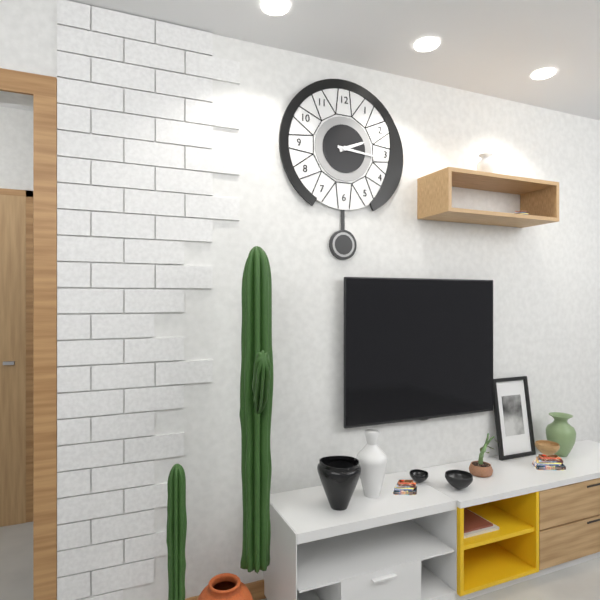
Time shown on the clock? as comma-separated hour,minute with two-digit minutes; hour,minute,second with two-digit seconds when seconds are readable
2,16
